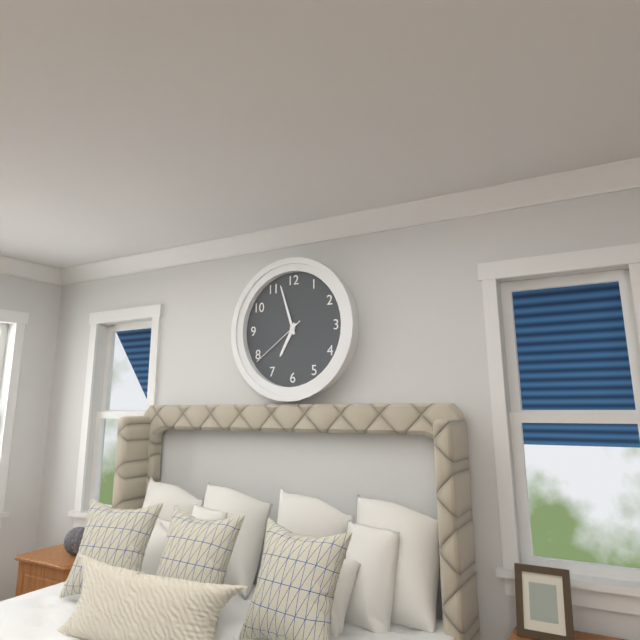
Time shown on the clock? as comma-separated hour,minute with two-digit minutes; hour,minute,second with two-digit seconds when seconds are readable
6,57,39
